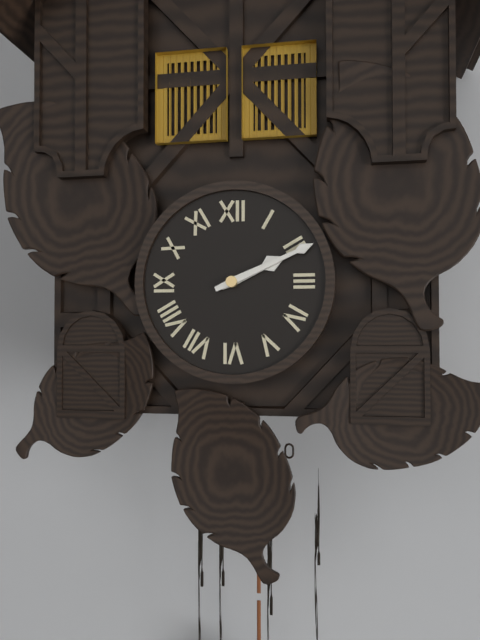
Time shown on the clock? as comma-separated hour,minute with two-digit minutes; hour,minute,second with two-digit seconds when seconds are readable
2,11
